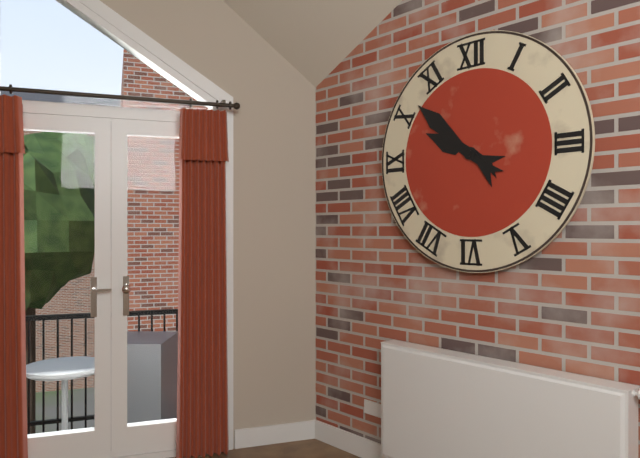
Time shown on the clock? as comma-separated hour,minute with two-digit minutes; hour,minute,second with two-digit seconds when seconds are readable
9,52
